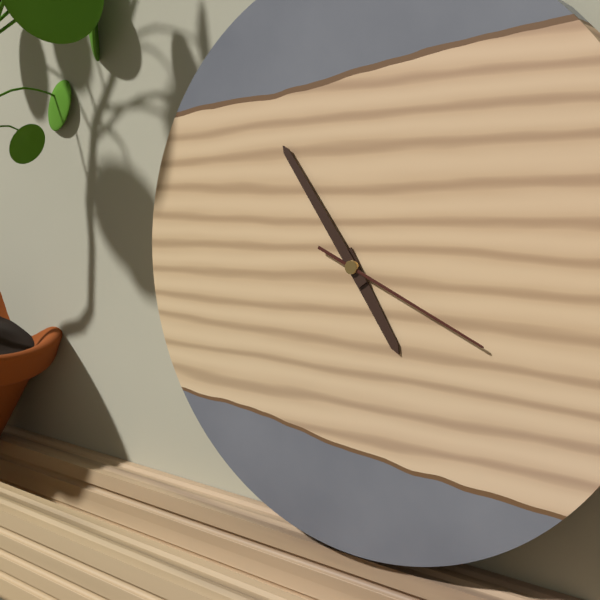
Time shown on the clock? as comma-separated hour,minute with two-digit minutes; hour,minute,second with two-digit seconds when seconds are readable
4,54,19
